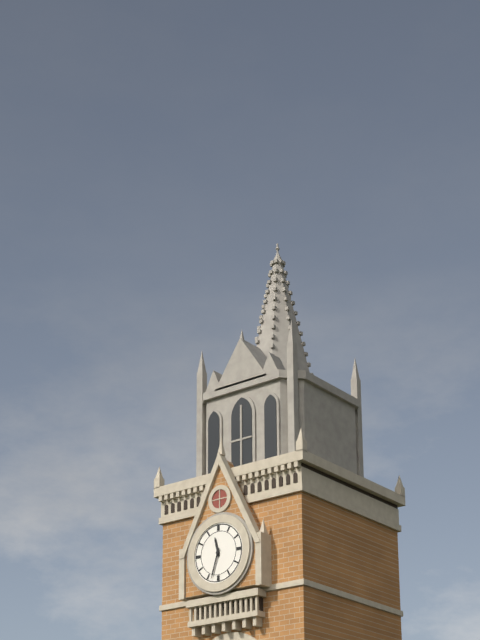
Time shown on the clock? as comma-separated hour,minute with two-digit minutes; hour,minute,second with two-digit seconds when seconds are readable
11,33
